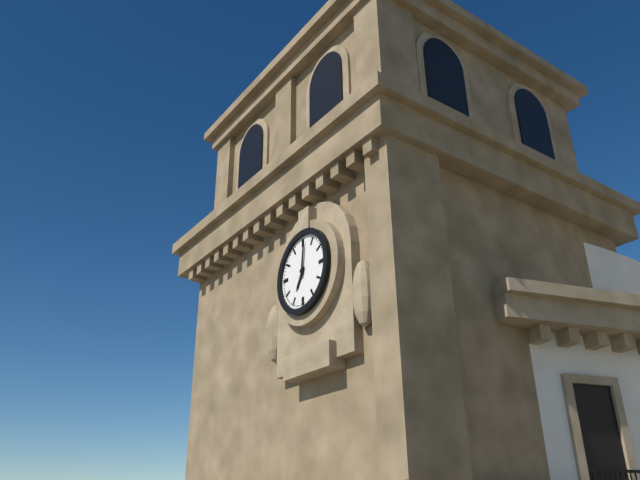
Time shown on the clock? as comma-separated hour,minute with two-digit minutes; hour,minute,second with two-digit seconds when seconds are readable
7,01
